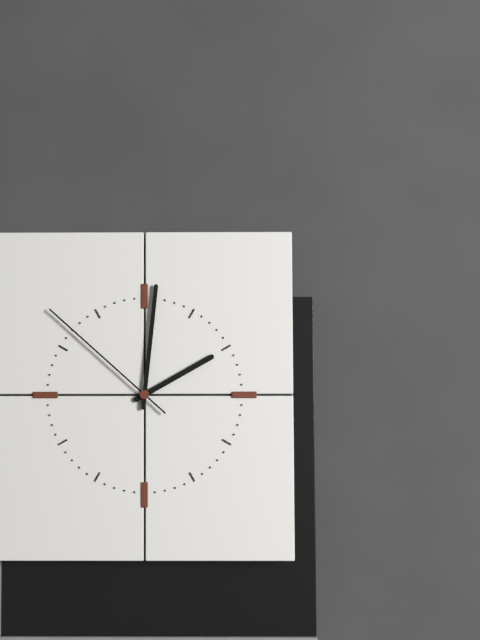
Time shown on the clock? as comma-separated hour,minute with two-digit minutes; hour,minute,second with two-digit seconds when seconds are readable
2,01,52
